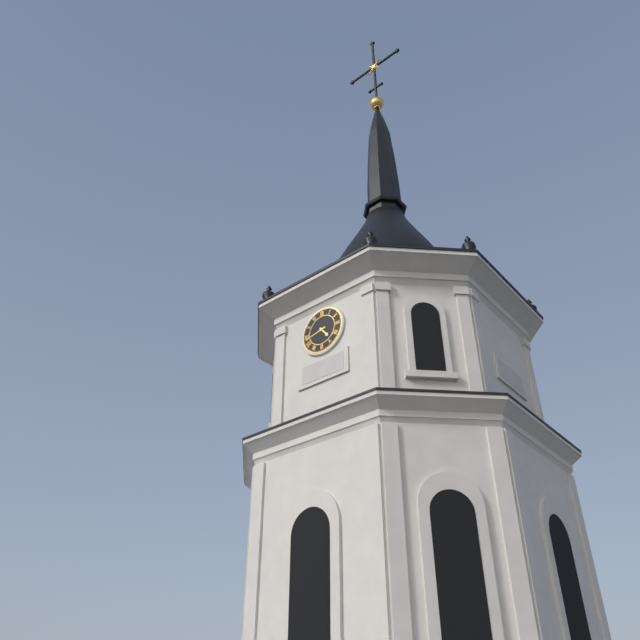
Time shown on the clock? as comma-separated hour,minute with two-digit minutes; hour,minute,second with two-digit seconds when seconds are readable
4,43
